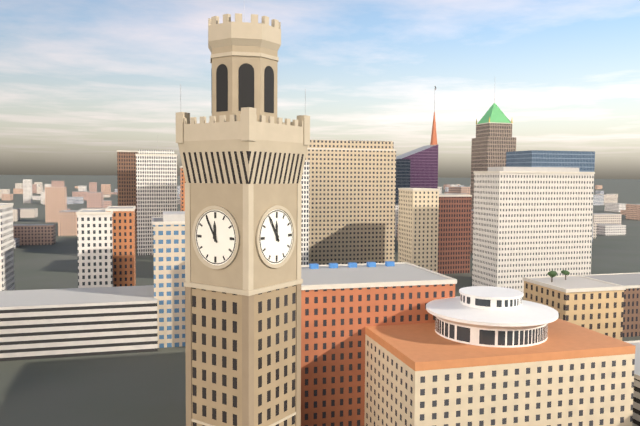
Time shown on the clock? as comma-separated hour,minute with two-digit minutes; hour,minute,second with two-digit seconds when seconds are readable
11,55
